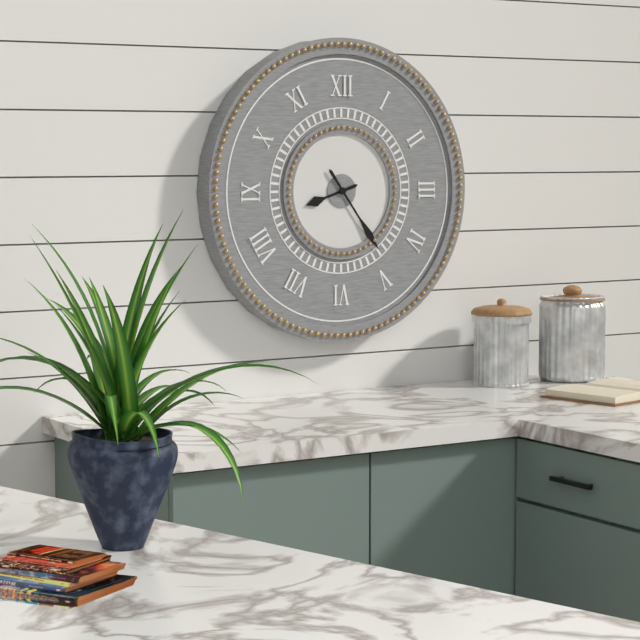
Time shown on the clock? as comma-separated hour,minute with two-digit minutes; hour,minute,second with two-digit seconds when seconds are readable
8,24
